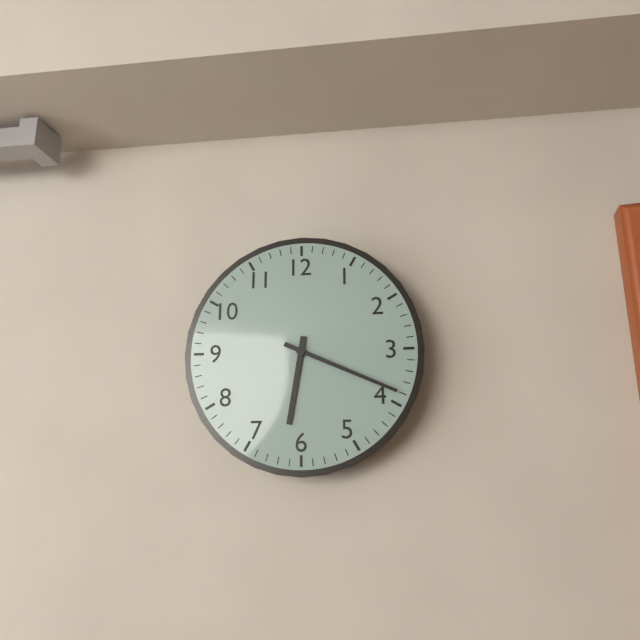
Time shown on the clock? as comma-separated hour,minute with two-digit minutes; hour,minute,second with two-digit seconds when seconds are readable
6,19
